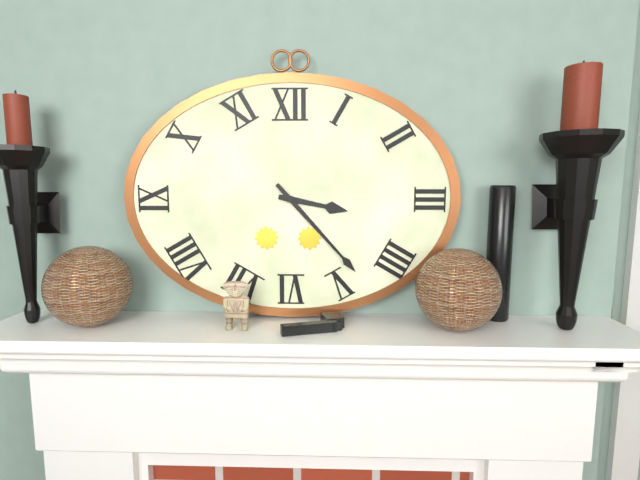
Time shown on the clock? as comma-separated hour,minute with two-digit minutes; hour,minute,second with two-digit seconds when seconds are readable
3,23
